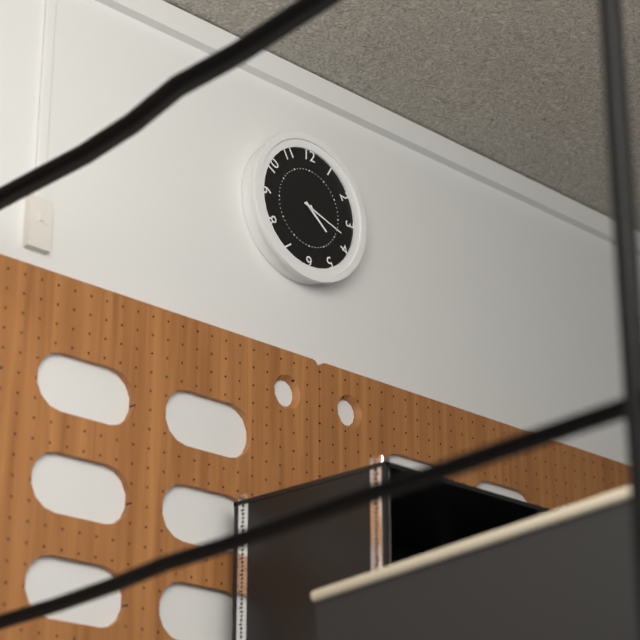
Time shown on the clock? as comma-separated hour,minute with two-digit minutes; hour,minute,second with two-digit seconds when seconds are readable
4,18
